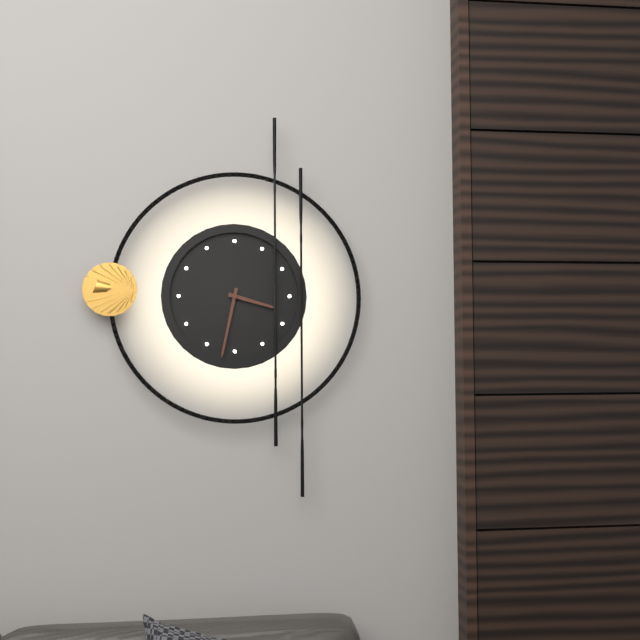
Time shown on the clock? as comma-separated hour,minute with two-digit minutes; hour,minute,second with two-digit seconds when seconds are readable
3,32
